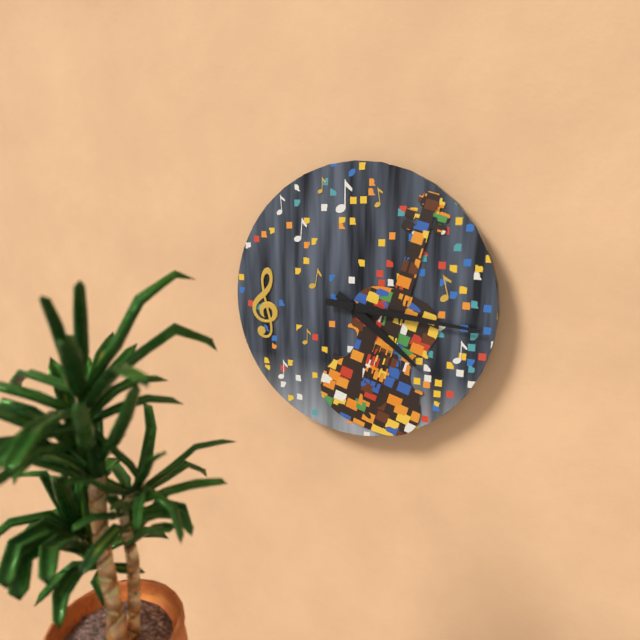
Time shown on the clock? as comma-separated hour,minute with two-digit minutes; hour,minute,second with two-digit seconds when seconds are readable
4,16
